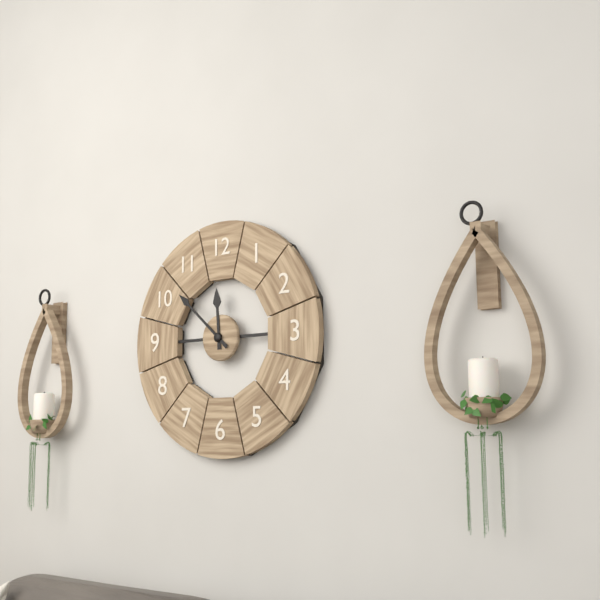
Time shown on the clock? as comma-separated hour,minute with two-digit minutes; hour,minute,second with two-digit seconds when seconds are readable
11,52
